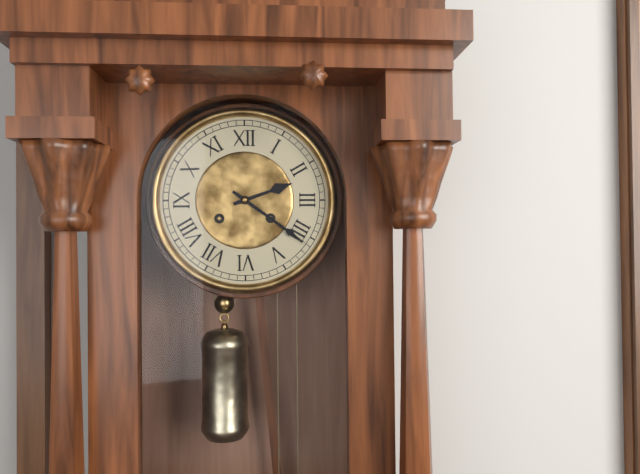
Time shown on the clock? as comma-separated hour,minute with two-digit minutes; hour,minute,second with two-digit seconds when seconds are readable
2,21
